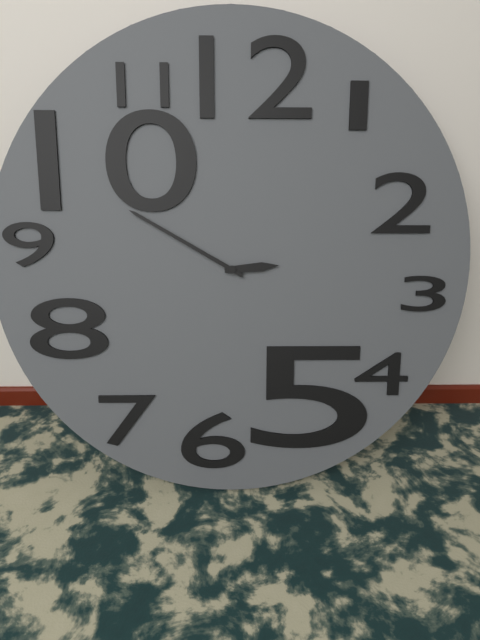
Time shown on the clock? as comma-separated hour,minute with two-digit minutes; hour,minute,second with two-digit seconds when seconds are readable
2,50
